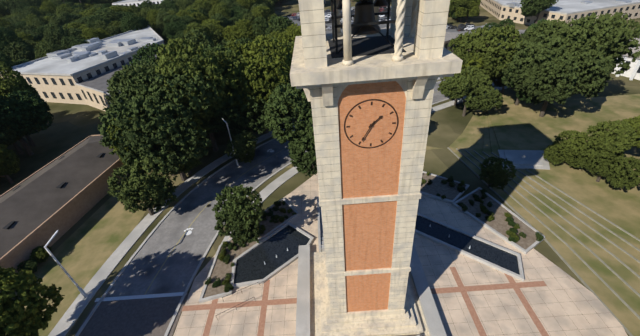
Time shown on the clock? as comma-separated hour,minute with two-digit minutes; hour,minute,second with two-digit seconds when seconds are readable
1,35
